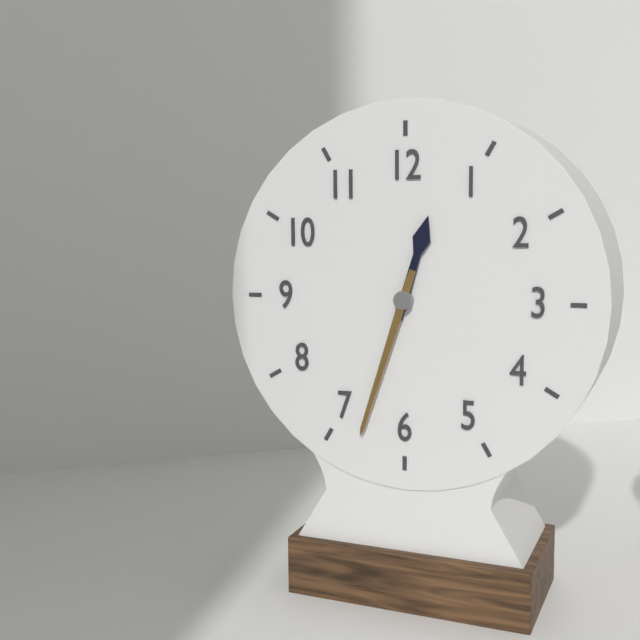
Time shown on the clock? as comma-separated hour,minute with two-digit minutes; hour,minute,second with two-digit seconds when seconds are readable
12,33
